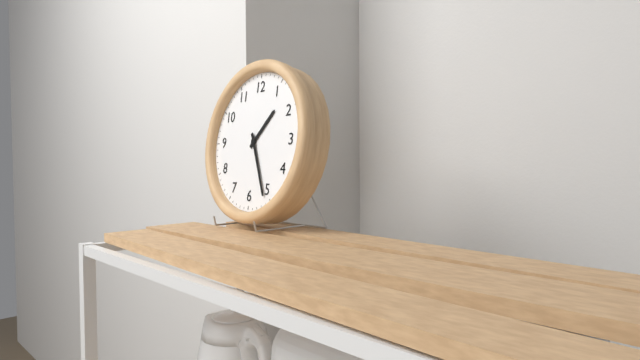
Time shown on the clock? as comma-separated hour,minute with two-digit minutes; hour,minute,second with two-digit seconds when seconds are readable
1,26
